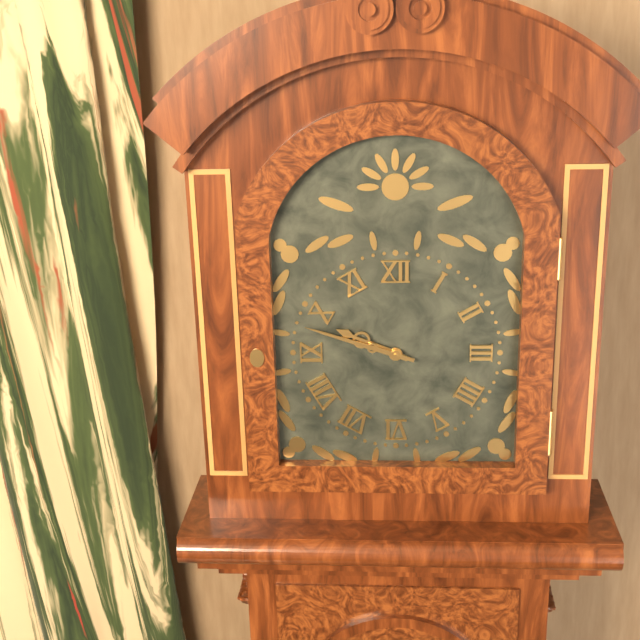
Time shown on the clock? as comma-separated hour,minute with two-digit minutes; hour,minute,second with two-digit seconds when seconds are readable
9,48
